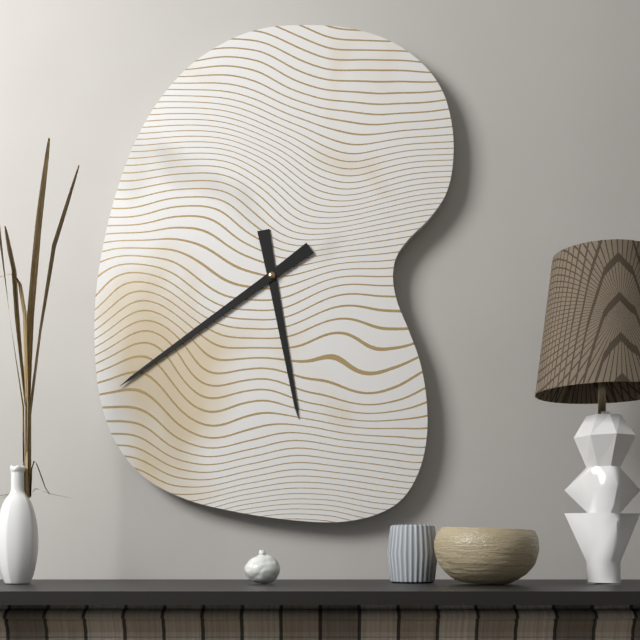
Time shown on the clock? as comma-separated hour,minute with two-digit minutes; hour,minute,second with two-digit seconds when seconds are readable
5,39
